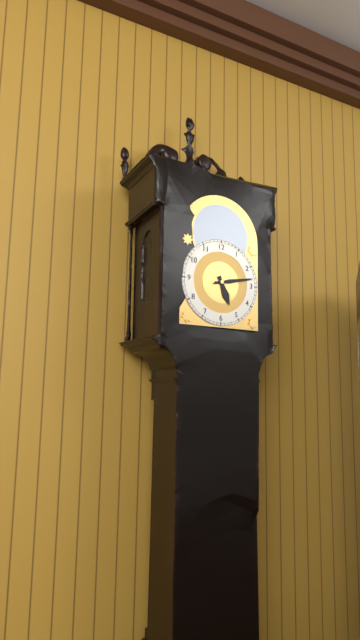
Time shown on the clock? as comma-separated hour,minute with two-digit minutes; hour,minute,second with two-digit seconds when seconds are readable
5,13
